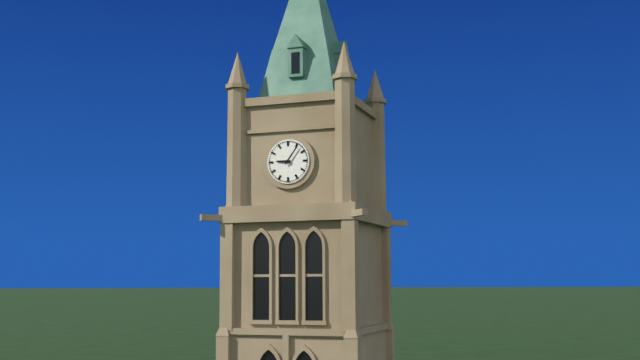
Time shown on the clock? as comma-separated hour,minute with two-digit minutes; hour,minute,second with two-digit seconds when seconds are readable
9,06
